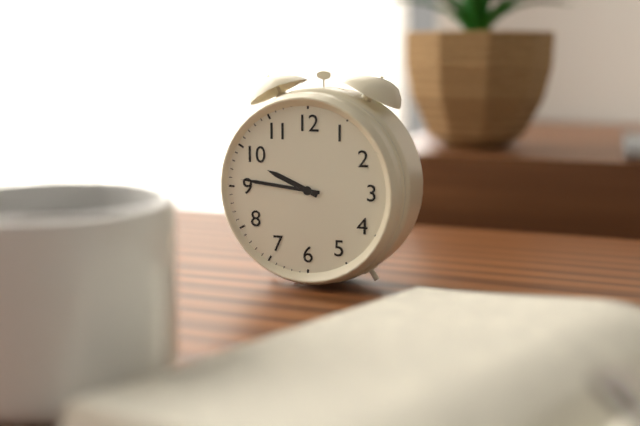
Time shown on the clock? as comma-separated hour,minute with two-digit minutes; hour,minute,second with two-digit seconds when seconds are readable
9,46
